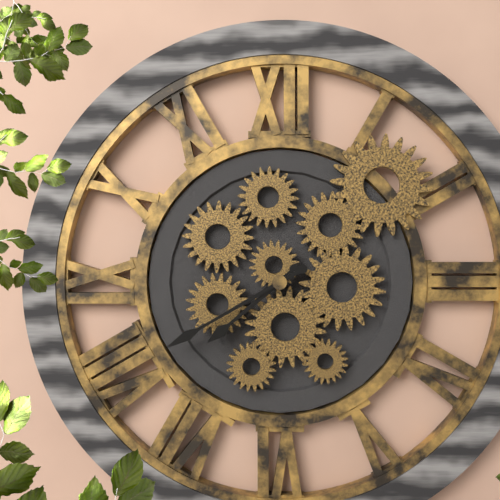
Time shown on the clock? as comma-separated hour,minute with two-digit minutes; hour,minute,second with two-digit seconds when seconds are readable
7,40
